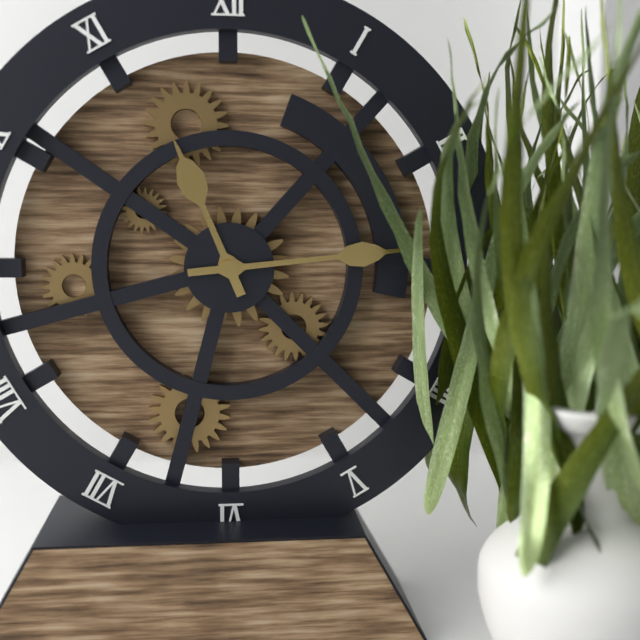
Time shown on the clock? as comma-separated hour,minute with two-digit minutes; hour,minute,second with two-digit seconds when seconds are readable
11,14
